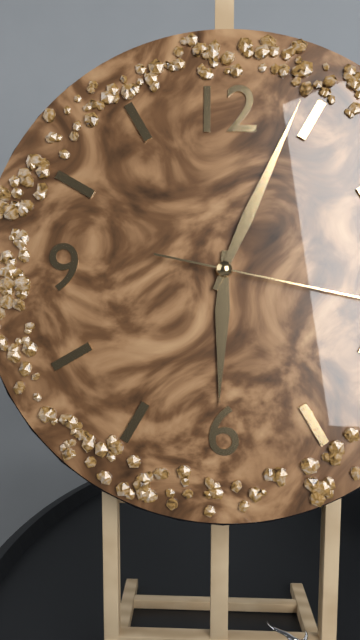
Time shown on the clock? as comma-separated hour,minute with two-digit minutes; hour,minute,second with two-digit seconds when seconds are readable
6,04
